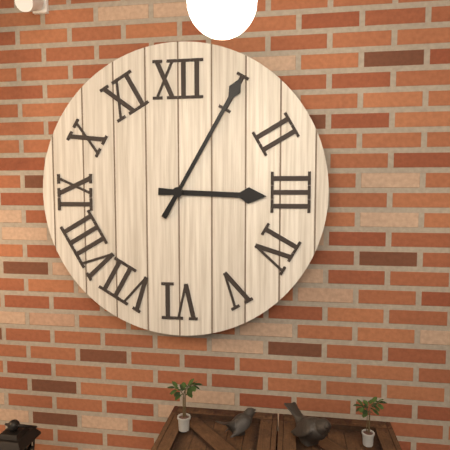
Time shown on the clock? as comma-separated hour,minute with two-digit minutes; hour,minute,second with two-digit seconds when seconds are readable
3,05
